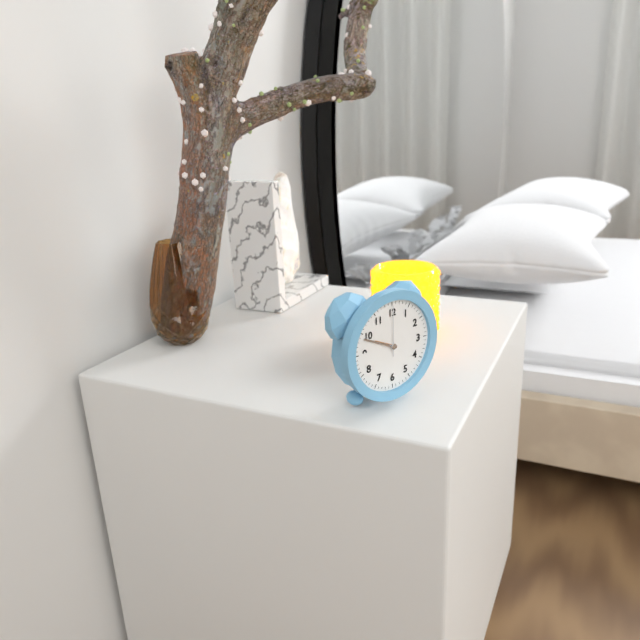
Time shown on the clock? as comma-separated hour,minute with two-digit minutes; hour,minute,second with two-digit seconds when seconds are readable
9,49,00
